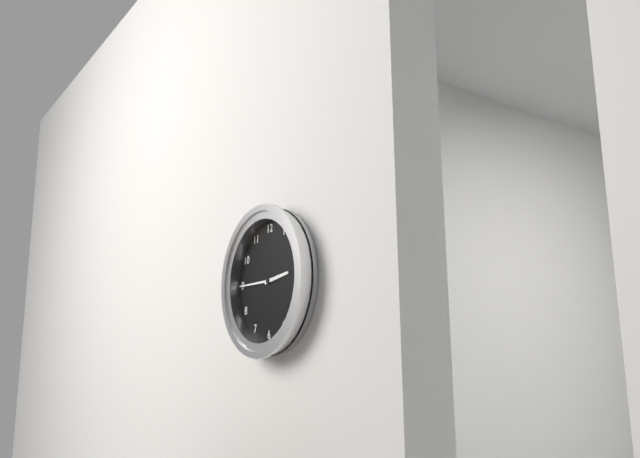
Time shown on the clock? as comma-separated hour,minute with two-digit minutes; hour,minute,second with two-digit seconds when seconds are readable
2,45
